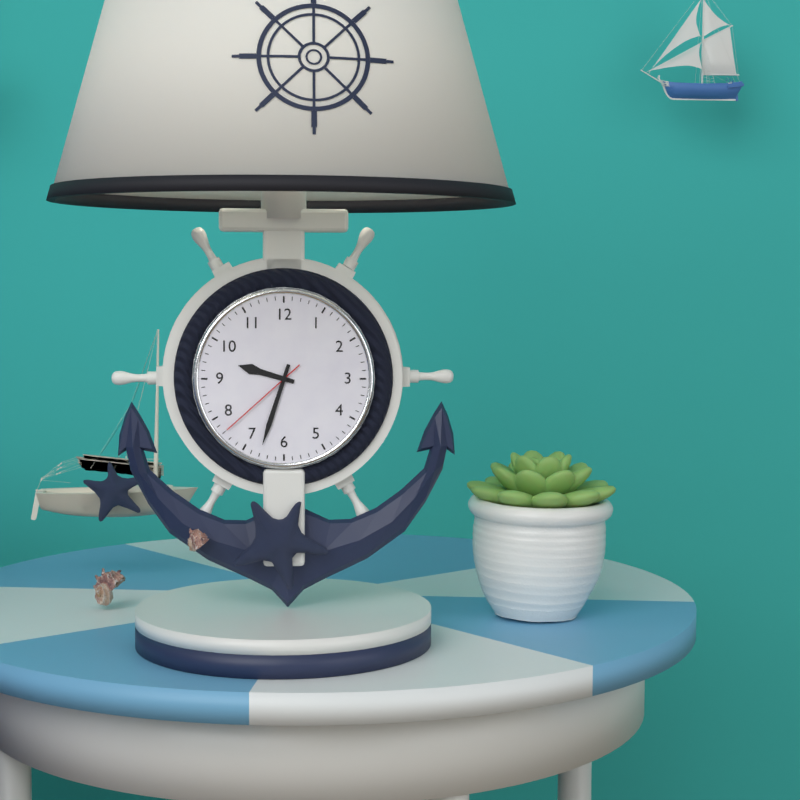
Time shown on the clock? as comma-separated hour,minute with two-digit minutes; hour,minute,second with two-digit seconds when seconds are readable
9,33,38
